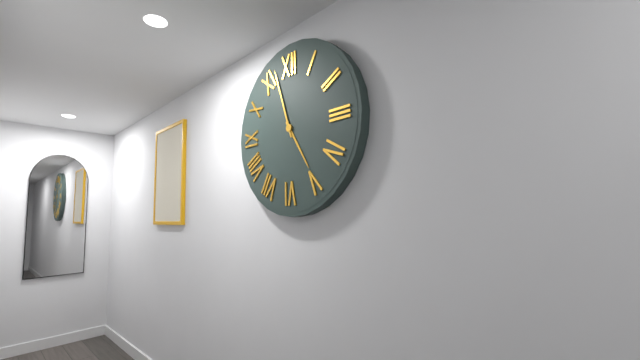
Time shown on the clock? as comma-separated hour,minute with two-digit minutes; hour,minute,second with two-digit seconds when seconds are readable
4,57
